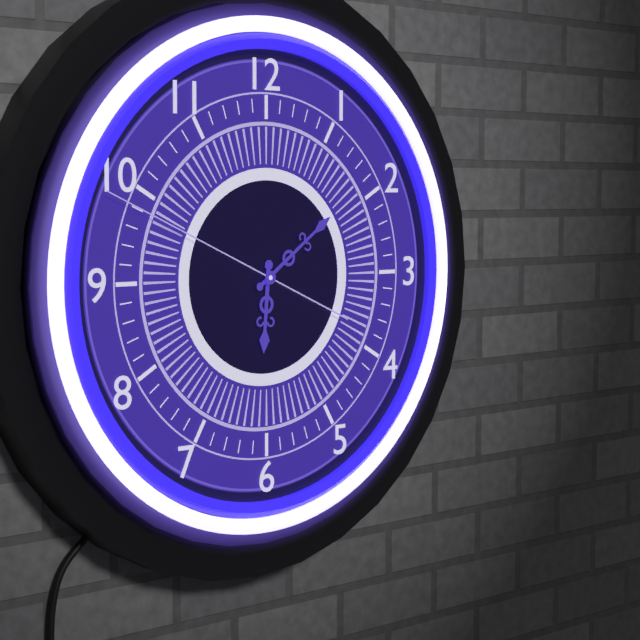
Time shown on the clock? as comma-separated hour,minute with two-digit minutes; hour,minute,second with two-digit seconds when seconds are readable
6,09,49
